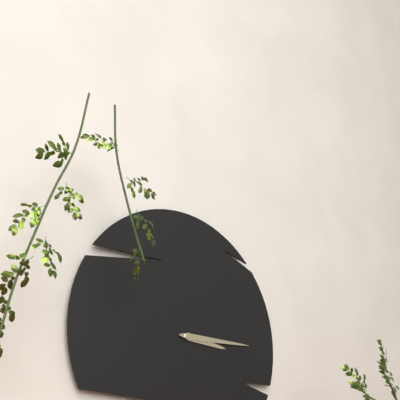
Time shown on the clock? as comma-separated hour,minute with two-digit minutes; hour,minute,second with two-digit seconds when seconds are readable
3,15
